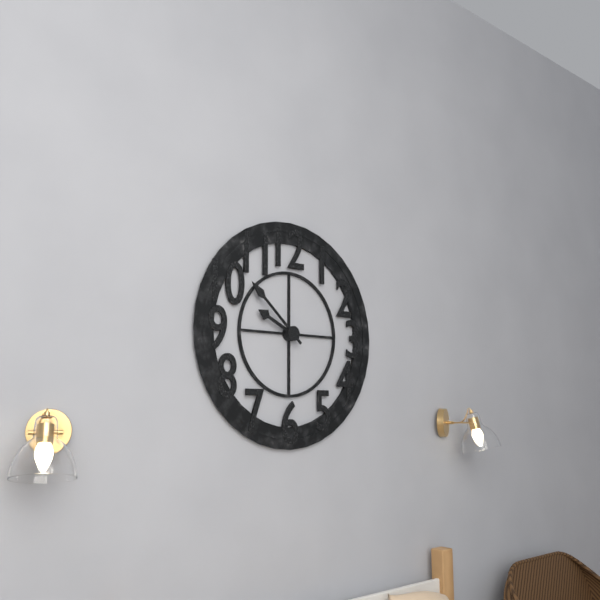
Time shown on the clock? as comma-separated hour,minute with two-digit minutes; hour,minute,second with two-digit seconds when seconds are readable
9,52
